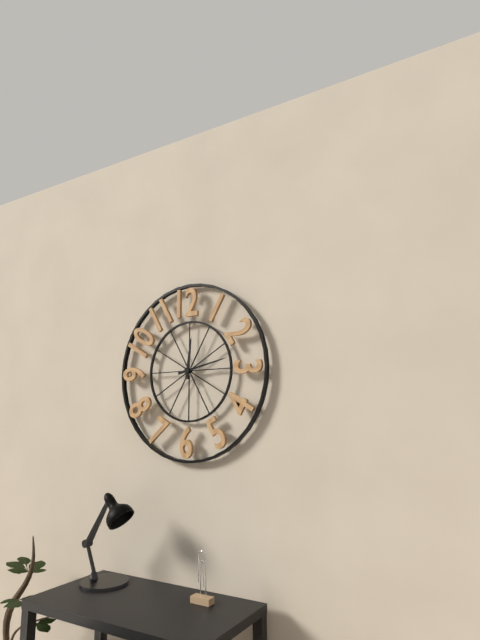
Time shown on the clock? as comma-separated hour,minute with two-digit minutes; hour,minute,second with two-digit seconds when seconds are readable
12,13
